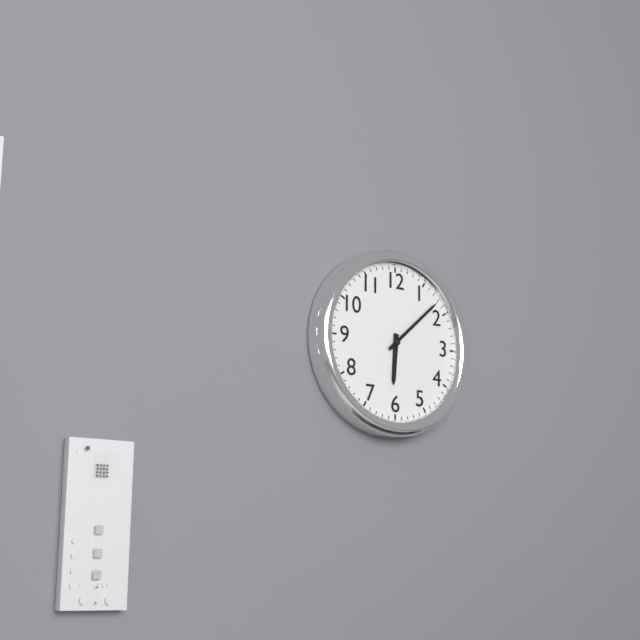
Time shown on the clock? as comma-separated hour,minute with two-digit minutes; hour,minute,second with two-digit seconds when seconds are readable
6,08
